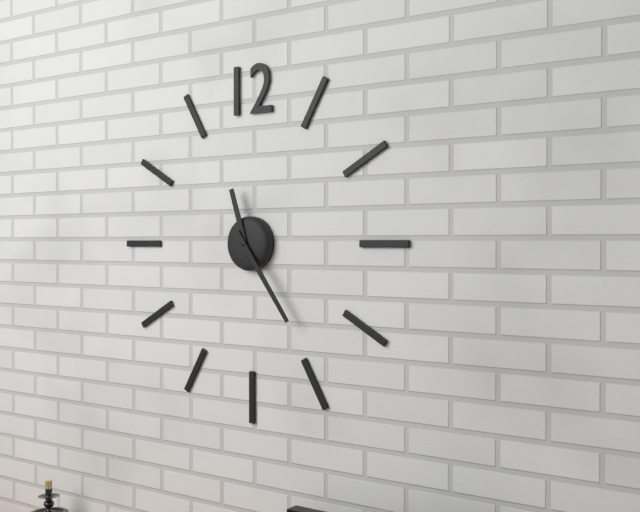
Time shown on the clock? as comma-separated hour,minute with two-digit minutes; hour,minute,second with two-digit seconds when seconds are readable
11,24
